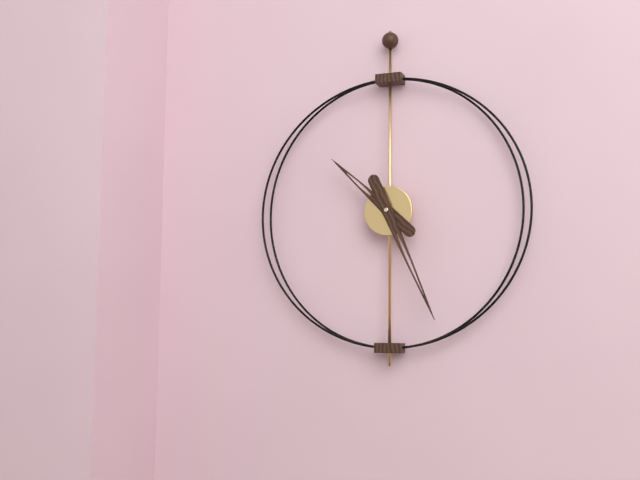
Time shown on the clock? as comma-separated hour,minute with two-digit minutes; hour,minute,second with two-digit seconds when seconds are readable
10,26
